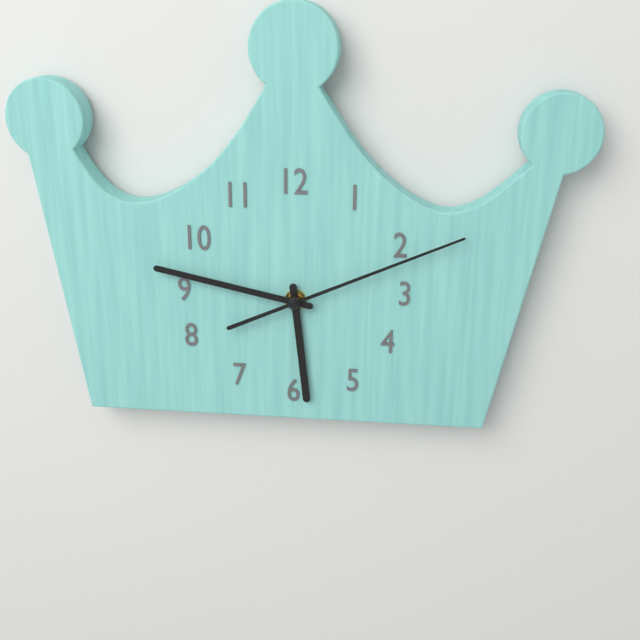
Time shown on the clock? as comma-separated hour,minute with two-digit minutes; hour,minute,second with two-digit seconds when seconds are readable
5,47,11
